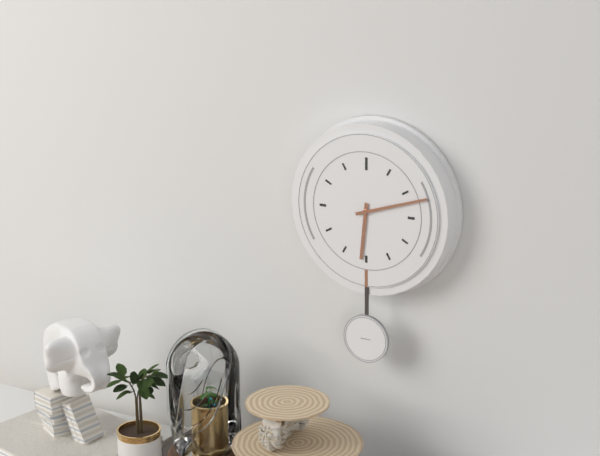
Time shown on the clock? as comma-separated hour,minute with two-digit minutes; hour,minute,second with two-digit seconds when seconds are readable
6,12
